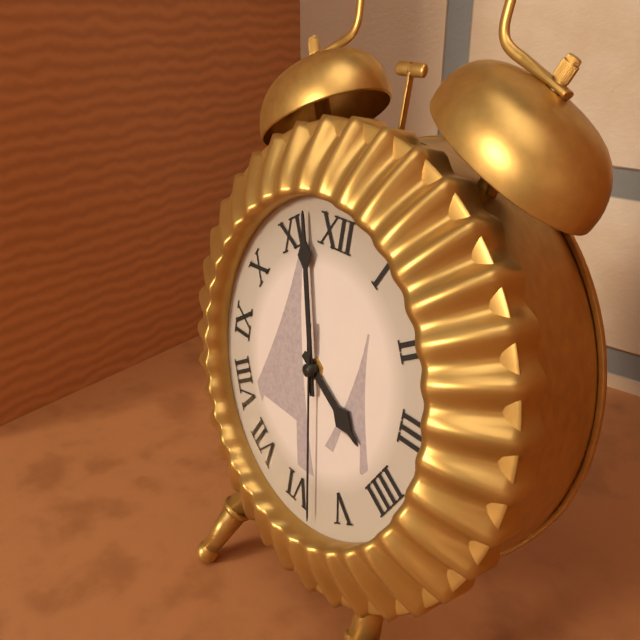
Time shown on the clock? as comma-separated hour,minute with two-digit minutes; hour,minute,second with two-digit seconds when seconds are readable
3,57,28
